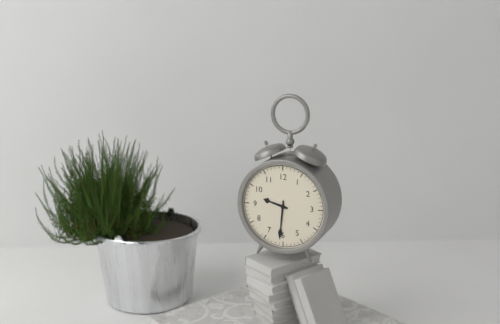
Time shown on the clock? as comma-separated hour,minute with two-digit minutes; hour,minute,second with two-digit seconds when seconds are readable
9,31
